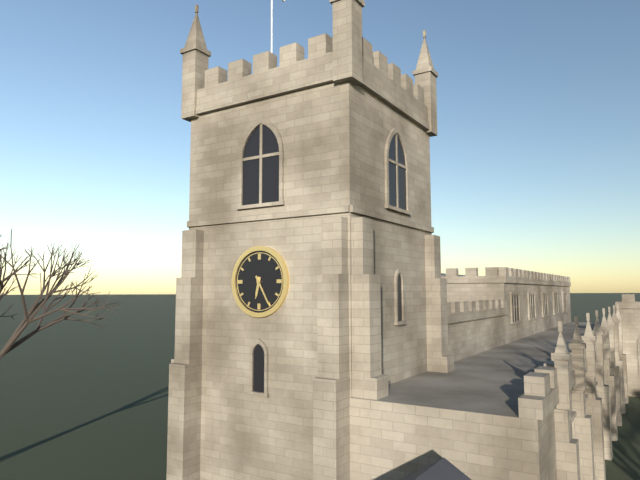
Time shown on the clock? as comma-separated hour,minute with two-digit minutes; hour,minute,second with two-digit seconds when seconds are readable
6,25
